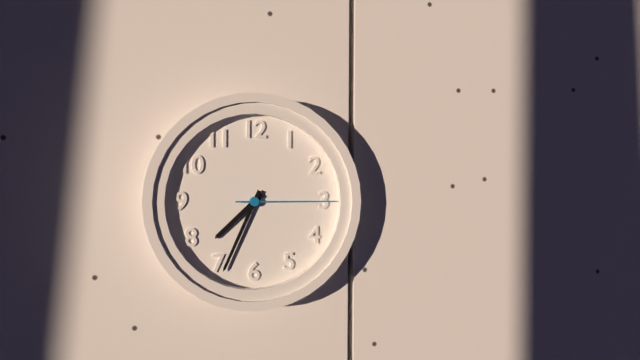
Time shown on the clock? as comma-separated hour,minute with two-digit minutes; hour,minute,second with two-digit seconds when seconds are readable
7,34,15
